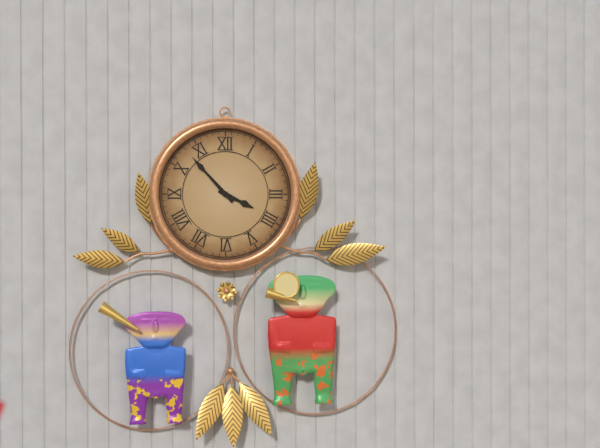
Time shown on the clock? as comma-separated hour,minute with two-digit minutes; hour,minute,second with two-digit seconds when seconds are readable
3,53
